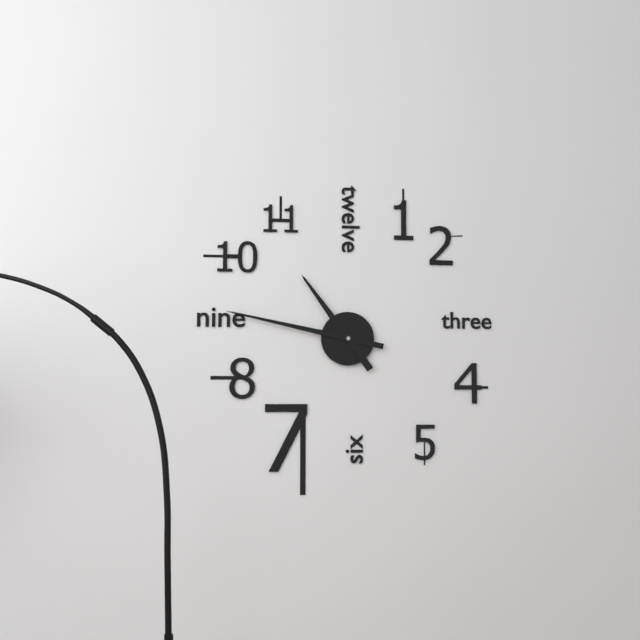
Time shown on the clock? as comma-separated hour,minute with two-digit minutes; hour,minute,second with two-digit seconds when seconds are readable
10,47
